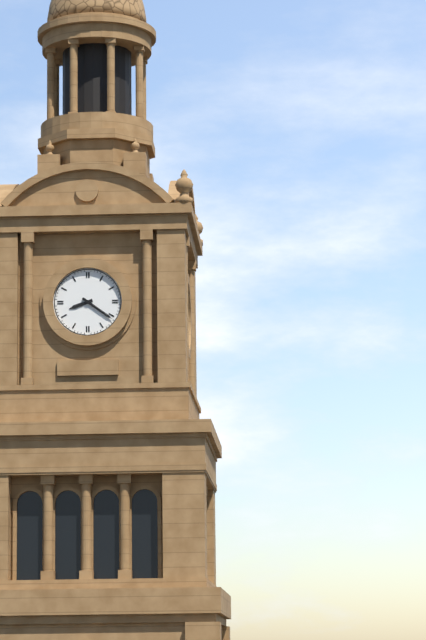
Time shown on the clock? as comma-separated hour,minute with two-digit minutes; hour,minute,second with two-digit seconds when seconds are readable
8,21
